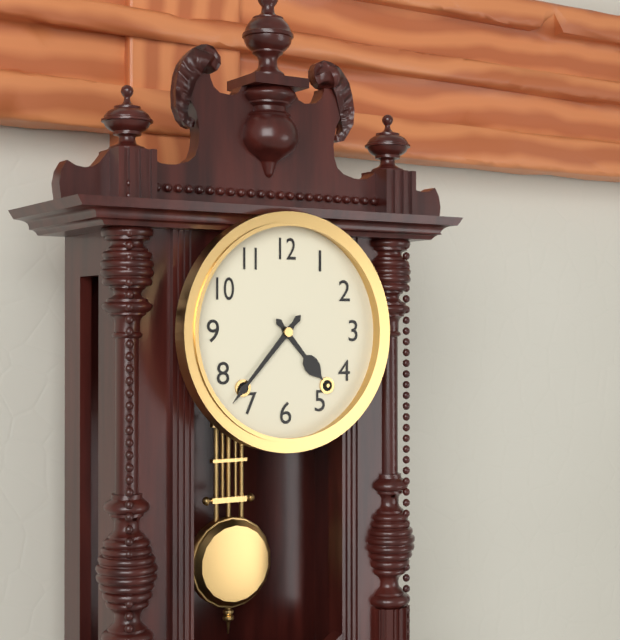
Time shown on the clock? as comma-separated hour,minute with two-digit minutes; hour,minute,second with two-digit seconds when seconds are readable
4,37
